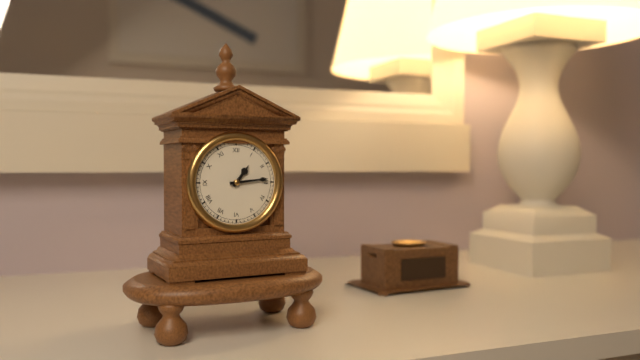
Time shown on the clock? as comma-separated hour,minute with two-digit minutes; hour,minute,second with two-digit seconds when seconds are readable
1,14
